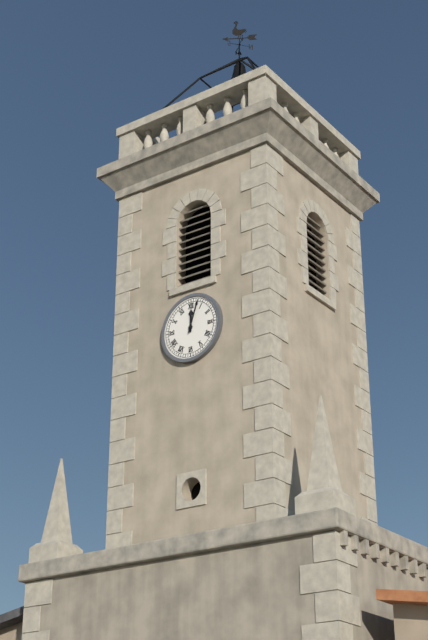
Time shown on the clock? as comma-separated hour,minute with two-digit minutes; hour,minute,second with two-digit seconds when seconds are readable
12,03
